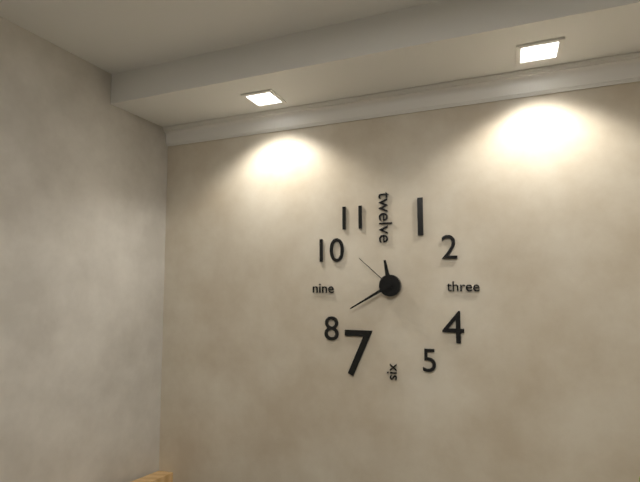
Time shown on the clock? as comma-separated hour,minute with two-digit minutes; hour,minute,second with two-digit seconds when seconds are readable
11,40,52
